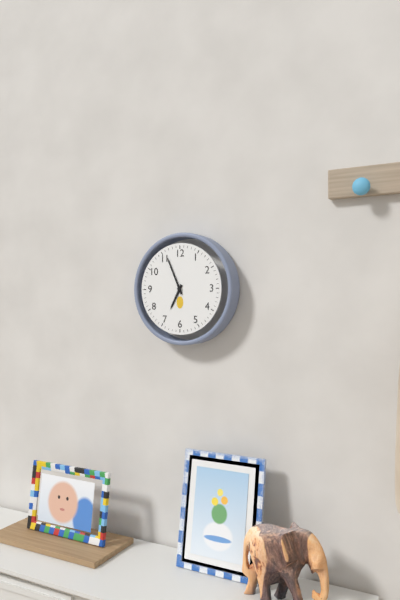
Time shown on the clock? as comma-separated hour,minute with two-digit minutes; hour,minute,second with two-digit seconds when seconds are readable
6,56
